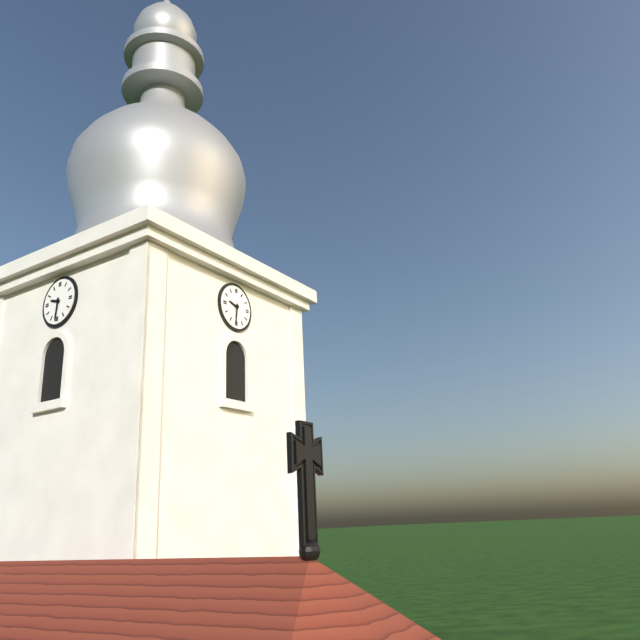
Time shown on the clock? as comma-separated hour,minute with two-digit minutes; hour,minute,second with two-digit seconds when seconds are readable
9,31
